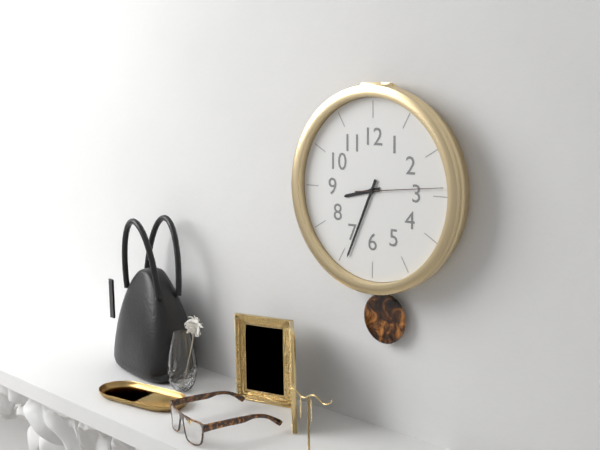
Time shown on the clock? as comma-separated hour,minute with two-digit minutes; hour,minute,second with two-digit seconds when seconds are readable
8,34,14
